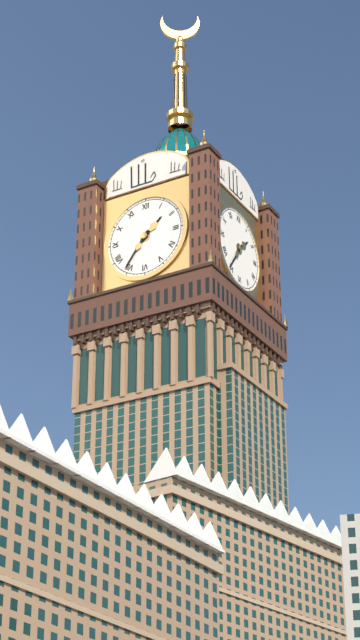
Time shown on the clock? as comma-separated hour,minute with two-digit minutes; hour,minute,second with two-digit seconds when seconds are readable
1,36
